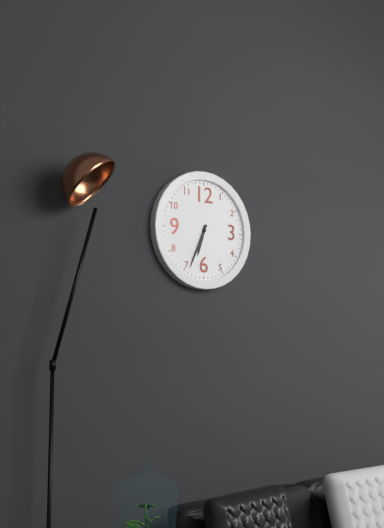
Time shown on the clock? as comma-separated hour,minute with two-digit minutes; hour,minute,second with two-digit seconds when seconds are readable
6,34
